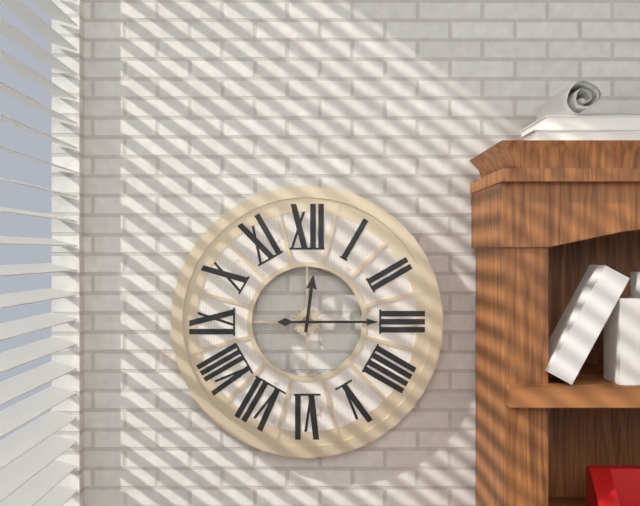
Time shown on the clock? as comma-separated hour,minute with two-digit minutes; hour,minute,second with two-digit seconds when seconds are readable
12,15
